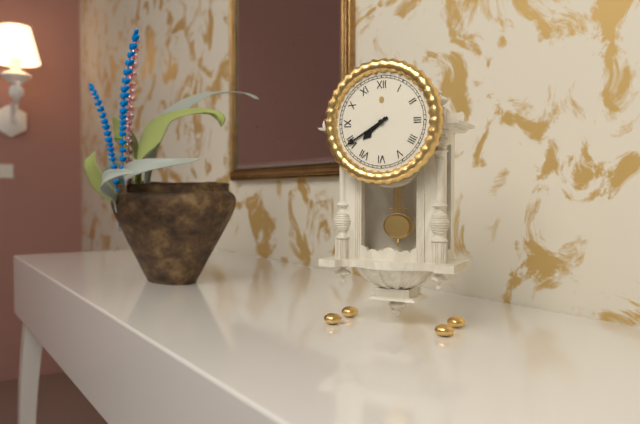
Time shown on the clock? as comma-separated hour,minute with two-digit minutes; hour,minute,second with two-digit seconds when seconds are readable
7,40
